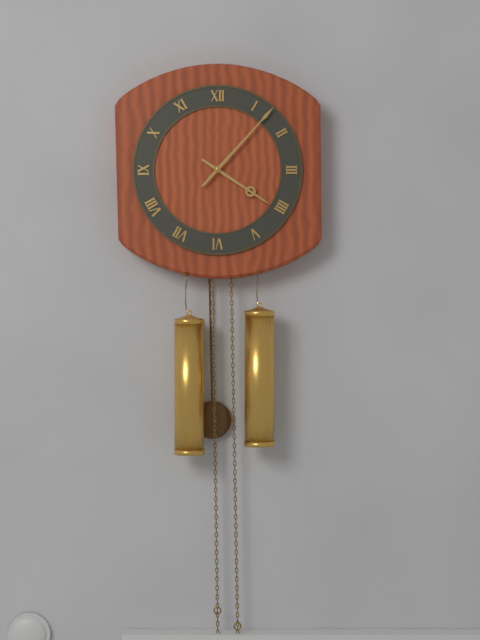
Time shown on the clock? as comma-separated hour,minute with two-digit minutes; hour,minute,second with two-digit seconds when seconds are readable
4,07
